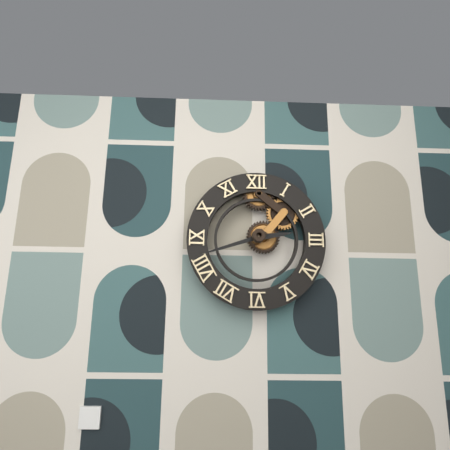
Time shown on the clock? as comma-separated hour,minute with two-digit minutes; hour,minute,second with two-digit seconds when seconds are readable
2,42
